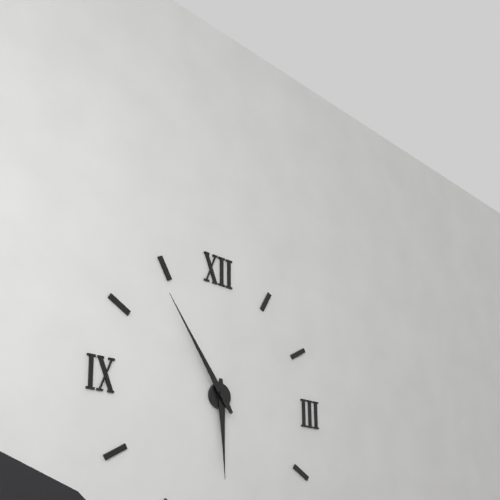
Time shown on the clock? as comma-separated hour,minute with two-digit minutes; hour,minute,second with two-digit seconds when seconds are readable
5,54
